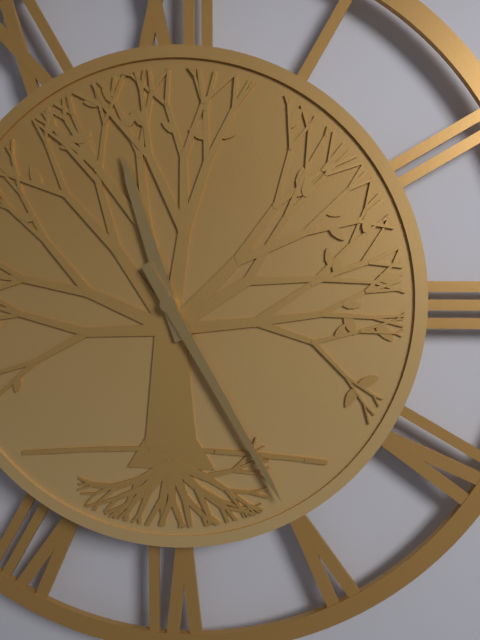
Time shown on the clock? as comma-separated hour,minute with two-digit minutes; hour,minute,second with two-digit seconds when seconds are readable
11,25
